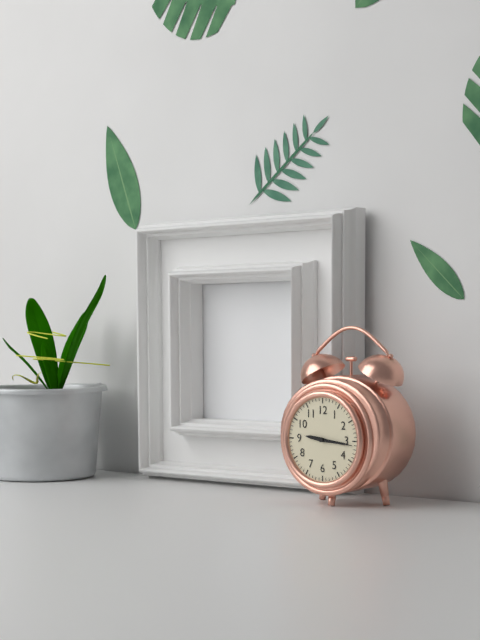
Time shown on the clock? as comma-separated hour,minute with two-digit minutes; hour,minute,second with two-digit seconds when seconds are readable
9,16
